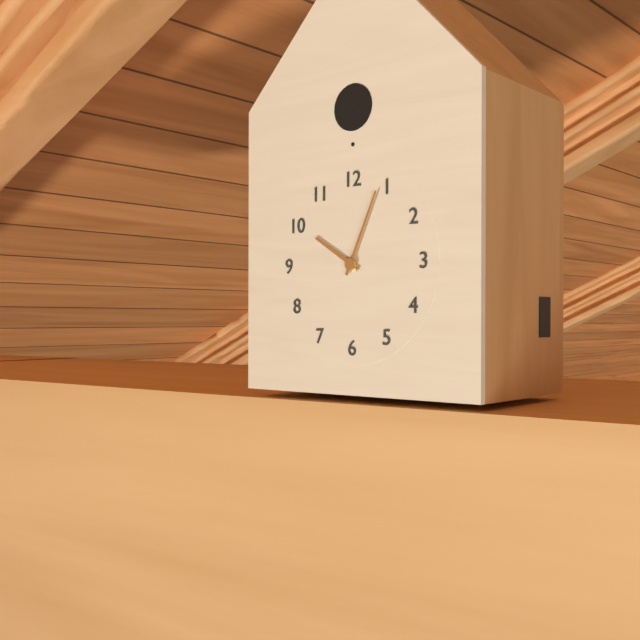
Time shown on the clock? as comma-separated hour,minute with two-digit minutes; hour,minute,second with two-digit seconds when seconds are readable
10,04
